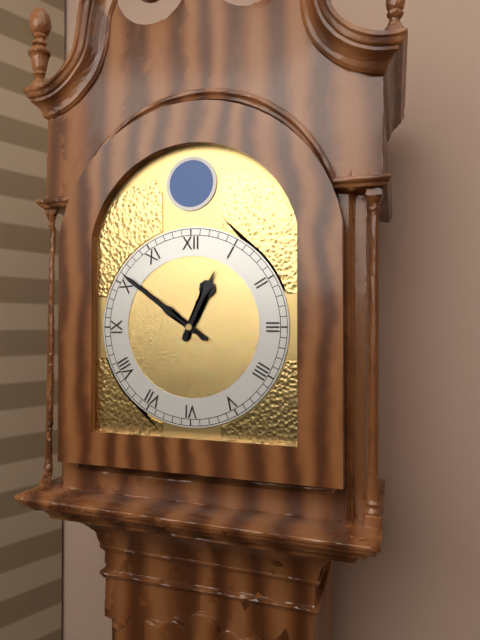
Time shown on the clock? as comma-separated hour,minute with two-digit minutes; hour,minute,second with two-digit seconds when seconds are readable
12,51
